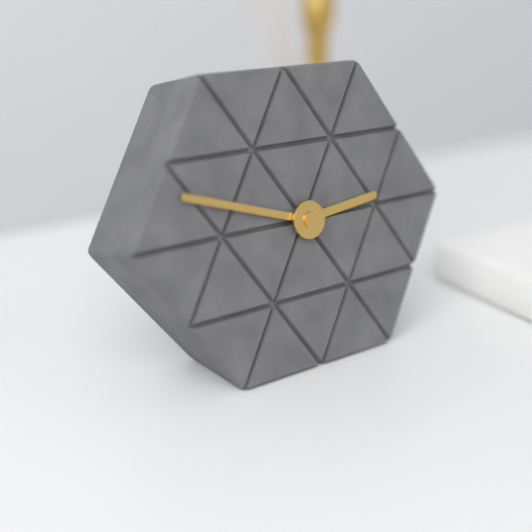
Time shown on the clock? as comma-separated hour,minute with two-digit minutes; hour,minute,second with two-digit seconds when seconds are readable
2,48
